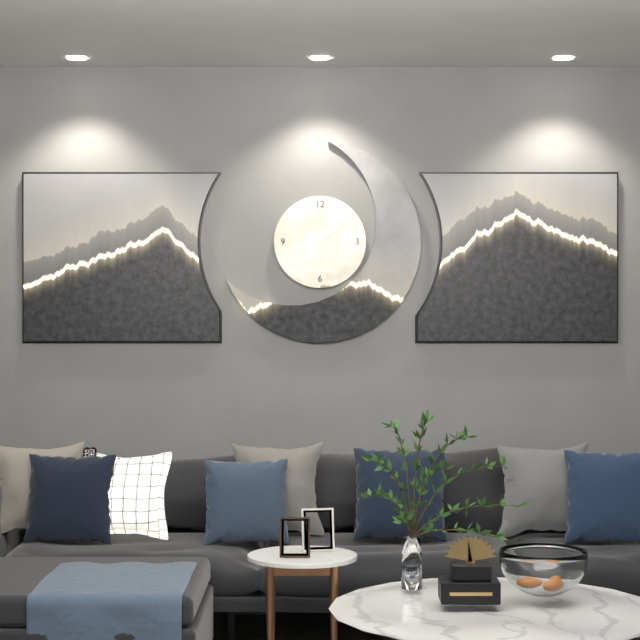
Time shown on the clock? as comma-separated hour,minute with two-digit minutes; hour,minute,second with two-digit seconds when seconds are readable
1,08
